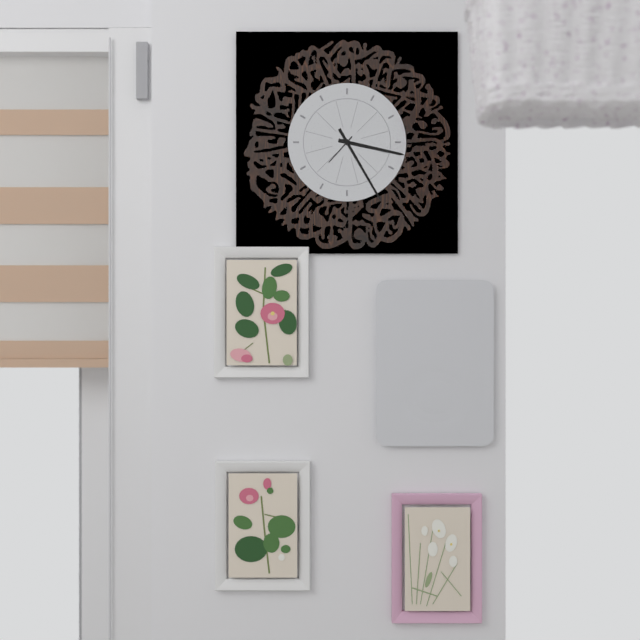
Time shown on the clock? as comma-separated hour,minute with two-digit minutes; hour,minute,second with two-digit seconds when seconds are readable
3,25
